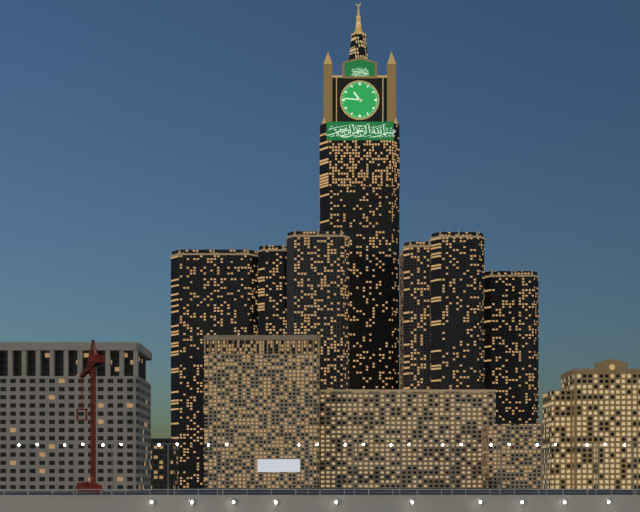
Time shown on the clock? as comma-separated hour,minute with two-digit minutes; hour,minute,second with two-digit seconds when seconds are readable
10,46
